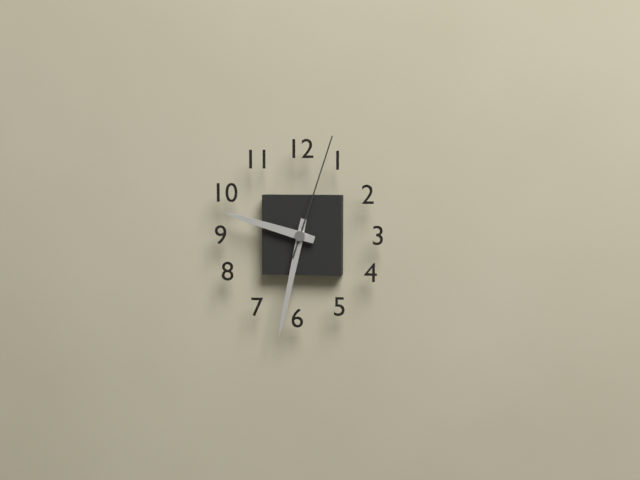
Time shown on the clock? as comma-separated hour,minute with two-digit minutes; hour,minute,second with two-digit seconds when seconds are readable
9,32,03
